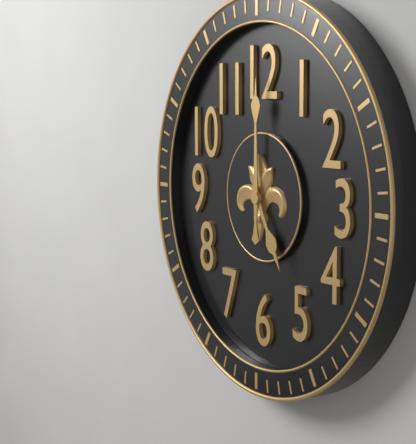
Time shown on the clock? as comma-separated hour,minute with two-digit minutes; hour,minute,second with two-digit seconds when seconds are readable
5,00
